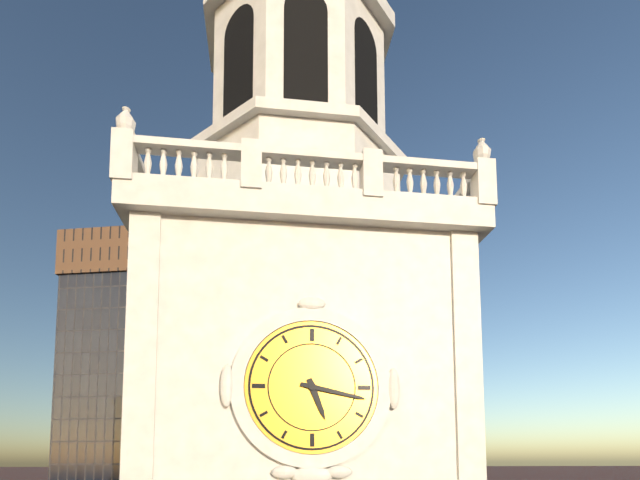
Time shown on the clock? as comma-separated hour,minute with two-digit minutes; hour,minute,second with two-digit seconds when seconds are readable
5,17
